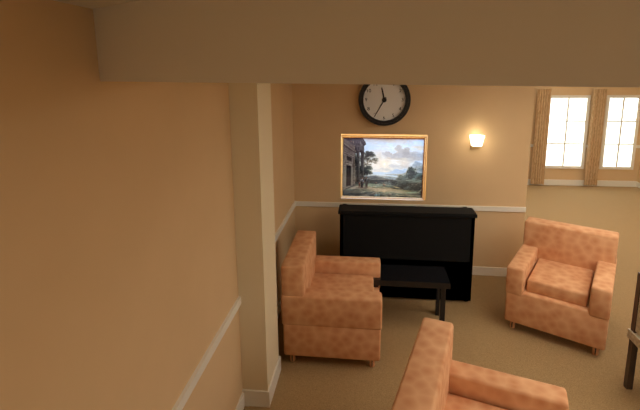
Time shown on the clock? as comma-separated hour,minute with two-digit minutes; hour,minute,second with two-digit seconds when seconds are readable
11,35
